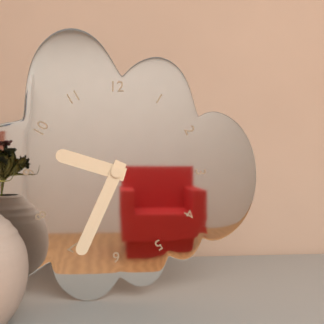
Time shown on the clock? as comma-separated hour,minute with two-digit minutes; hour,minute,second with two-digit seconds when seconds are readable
9,34
